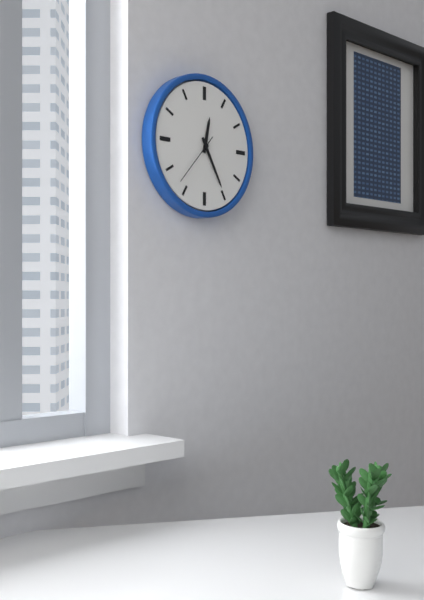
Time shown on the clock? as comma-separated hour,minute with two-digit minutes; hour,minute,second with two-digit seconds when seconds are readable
12,25
